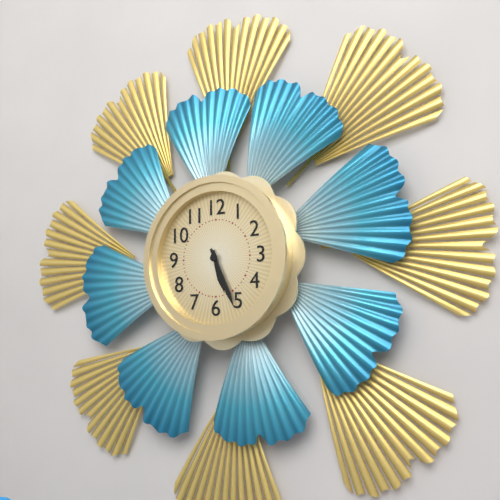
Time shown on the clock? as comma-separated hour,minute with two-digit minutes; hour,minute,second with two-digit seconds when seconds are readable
5,26
